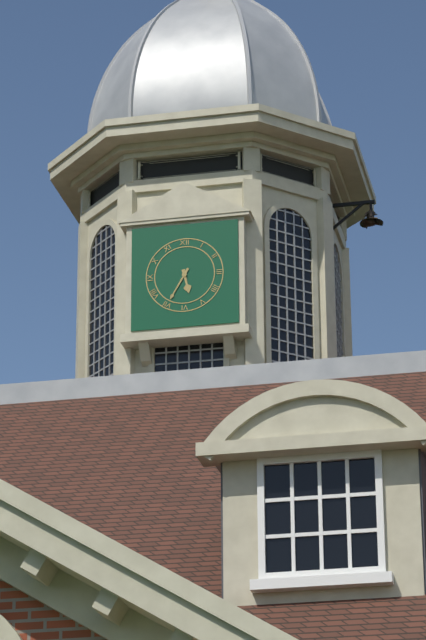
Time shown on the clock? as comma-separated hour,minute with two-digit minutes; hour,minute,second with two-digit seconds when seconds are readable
5,35
